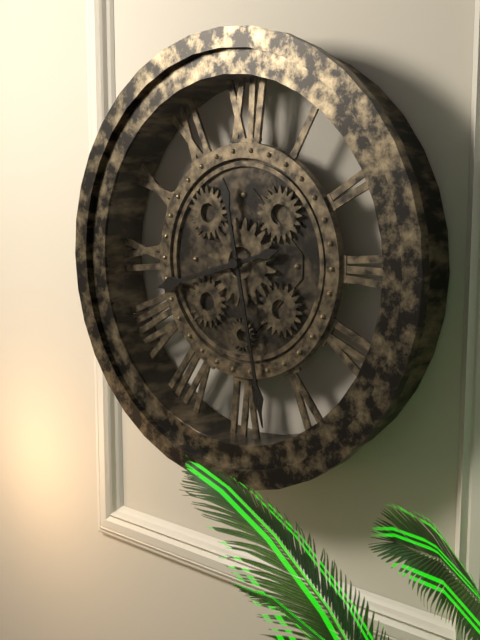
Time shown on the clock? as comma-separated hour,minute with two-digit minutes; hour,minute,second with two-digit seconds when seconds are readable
8,28
